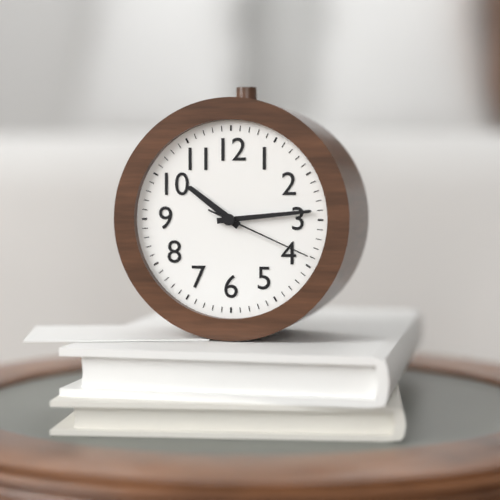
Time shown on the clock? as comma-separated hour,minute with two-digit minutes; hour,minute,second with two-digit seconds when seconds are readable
10,14,19
